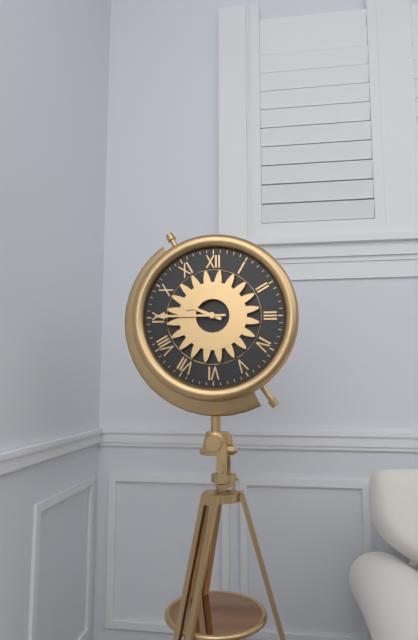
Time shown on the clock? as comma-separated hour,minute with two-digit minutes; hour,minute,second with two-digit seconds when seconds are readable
9,45
